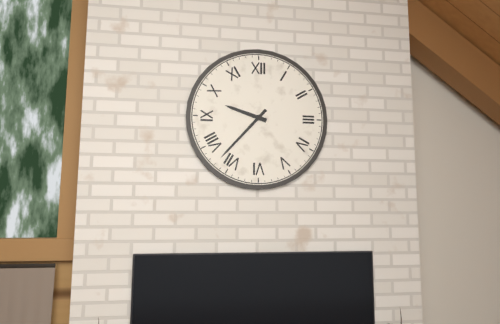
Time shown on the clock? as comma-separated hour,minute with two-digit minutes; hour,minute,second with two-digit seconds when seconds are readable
9,37
